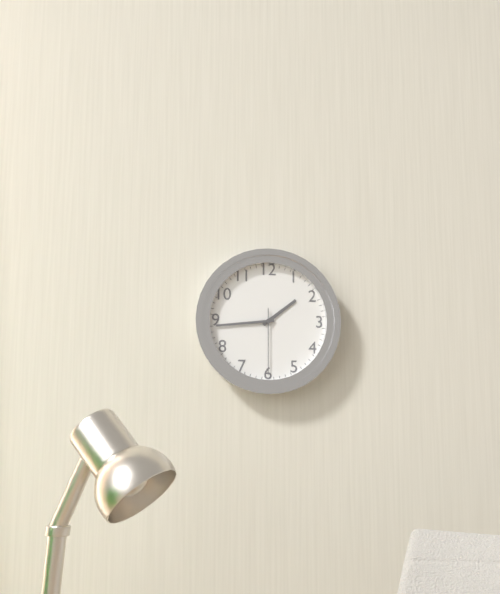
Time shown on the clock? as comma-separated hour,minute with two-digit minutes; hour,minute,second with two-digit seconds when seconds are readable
1,44,30
